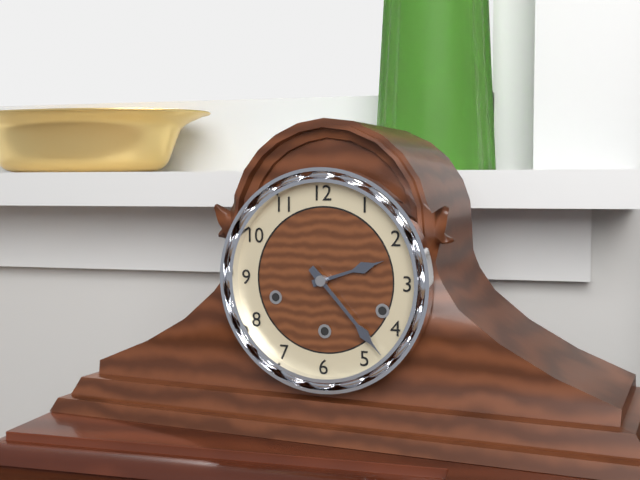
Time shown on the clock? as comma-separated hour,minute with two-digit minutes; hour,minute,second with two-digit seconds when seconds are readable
2,23
